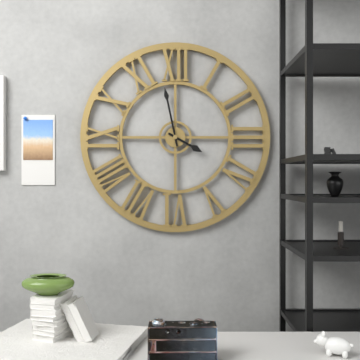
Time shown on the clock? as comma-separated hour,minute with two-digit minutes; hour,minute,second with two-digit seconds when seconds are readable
3,58
